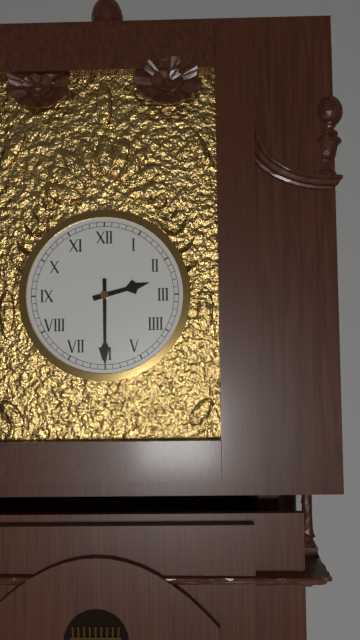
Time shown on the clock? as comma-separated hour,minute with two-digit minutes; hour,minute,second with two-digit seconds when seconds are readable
2,30
